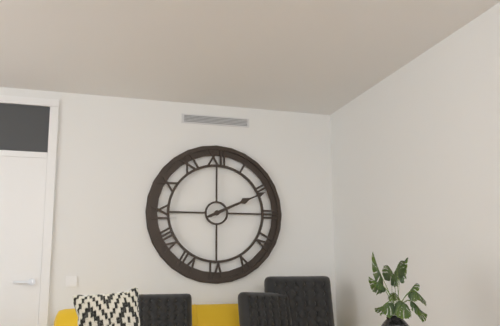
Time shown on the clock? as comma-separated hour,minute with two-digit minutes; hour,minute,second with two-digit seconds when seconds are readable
2,11
